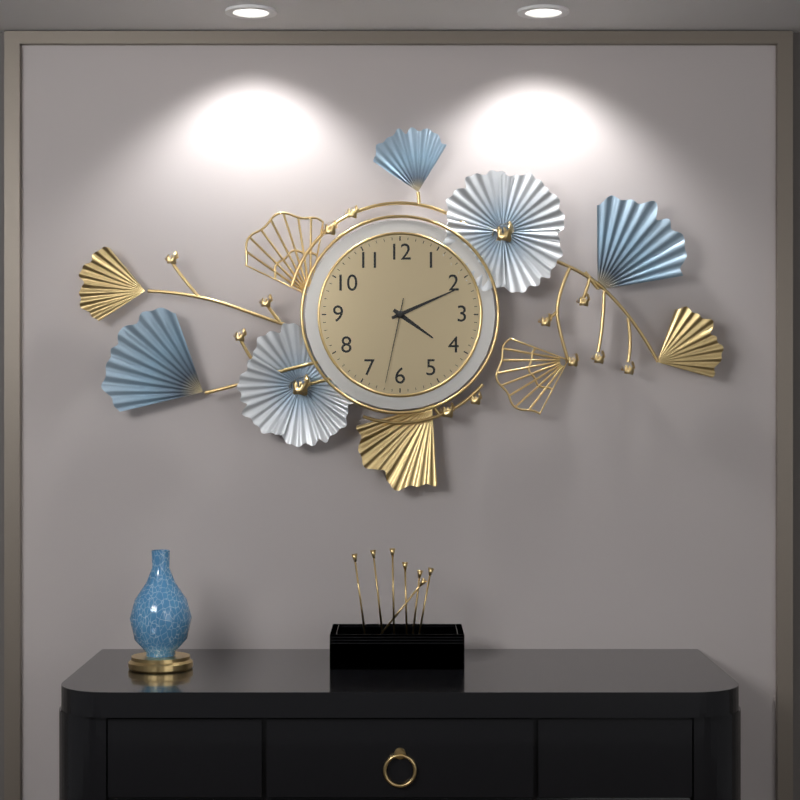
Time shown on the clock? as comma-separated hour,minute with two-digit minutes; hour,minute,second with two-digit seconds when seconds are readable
4,11,32
